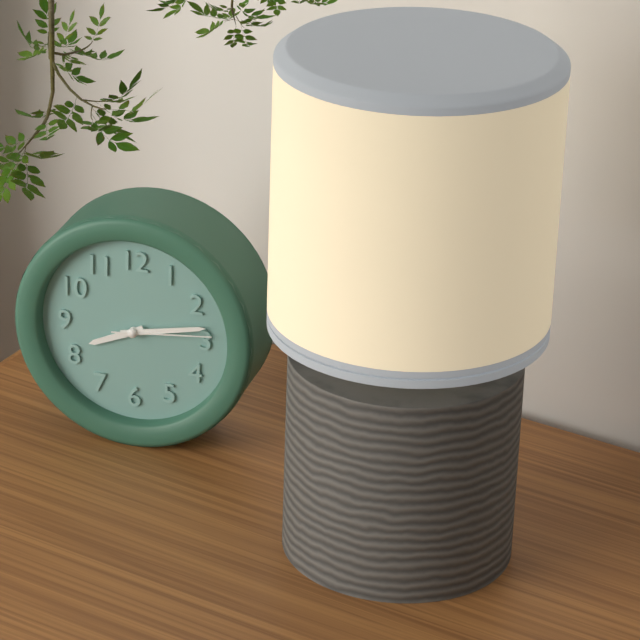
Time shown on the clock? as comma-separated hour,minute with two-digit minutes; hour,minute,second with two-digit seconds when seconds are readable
8,13,14
